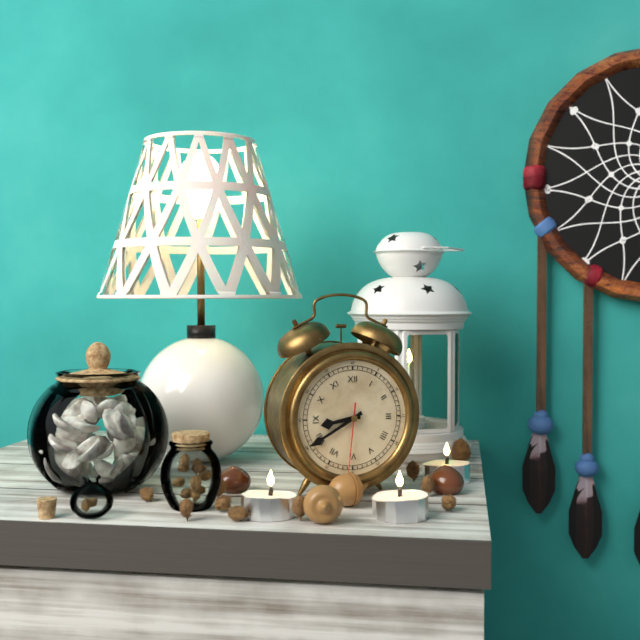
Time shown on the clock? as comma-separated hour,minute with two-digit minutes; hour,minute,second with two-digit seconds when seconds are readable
8,40,31
